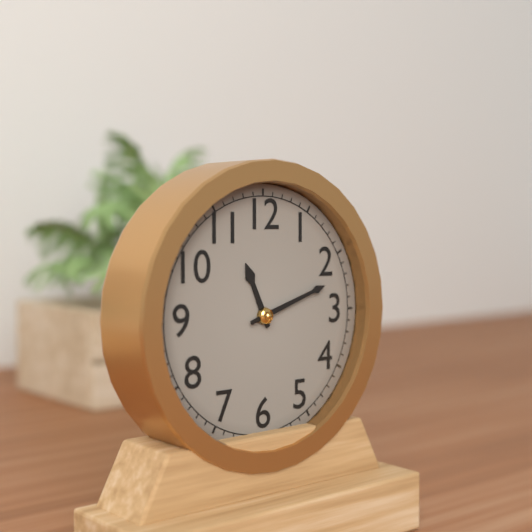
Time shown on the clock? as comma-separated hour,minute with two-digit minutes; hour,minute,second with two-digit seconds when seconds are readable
11,12
